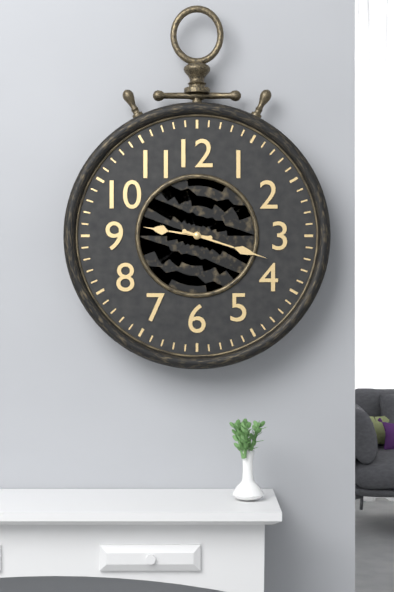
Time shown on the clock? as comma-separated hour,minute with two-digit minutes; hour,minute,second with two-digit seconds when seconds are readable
9,18
